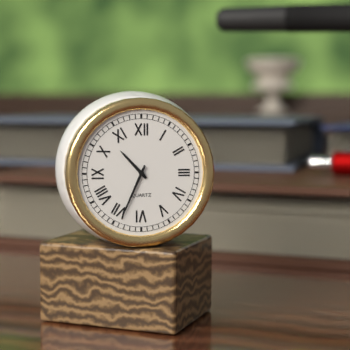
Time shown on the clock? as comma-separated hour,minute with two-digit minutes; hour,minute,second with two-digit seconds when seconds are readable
10,34
